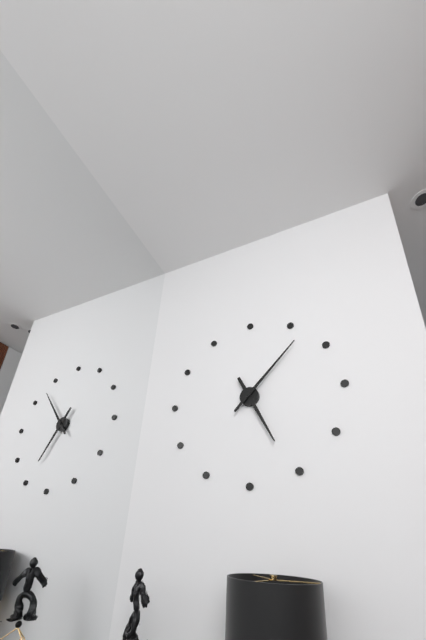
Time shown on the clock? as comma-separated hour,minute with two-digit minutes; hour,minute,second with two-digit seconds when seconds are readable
5,07
